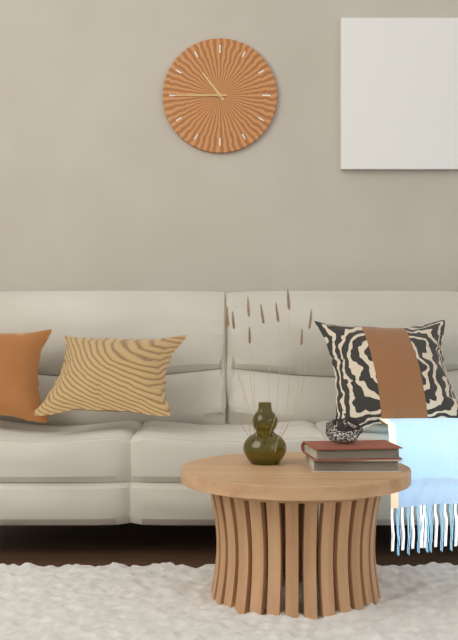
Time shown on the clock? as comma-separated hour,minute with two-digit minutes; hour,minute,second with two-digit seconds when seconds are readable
10,45
